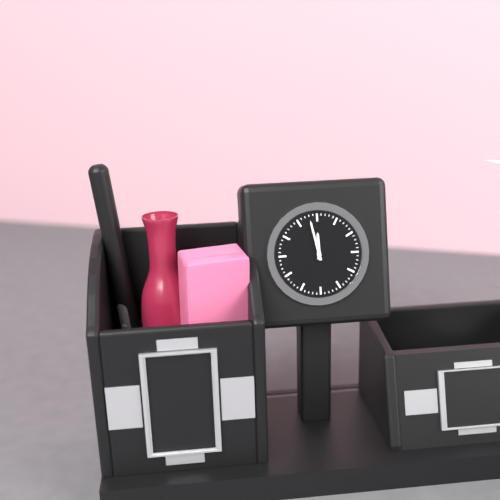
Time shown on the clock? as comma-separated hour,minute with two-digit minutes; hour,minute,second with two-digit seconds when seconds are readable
11,58
